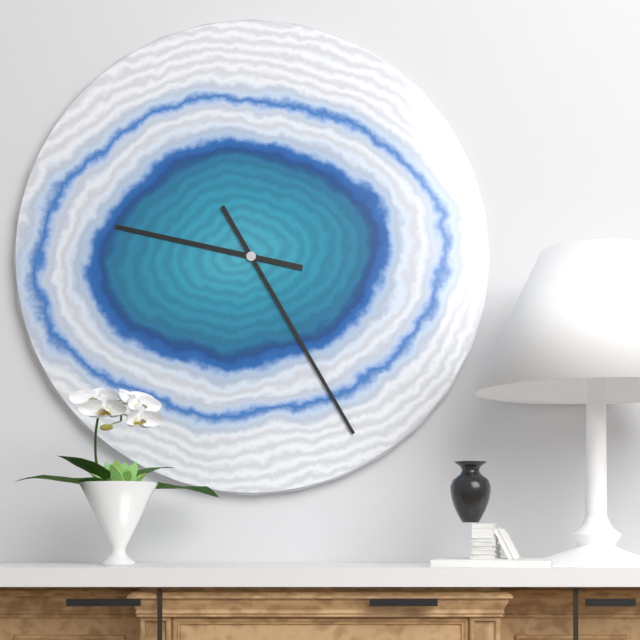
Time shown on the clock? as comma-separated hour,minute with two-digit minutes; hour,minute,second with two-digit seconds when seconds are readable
9,25
